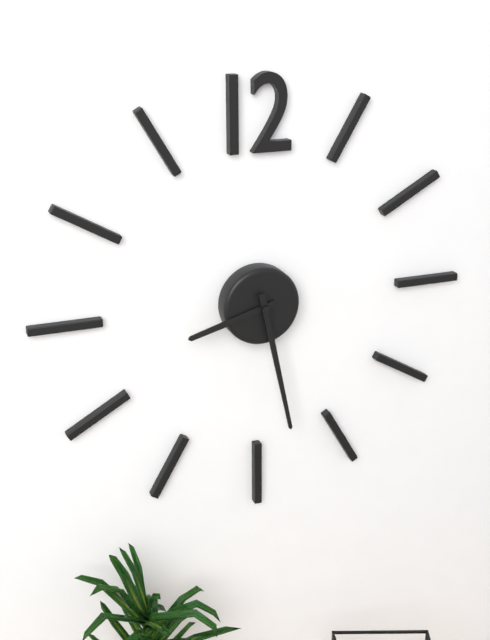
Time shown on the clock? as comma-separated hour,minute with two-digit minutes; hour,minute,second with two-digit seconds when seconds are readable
8,28
